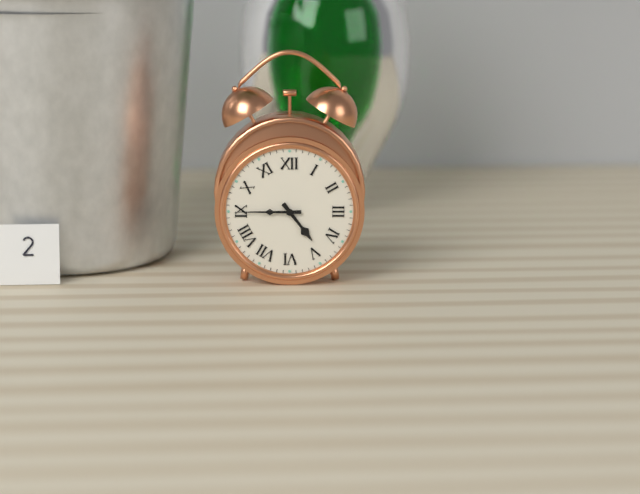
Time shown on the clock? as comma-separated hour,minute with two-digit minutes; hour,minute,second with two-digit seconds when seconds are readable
4,45
